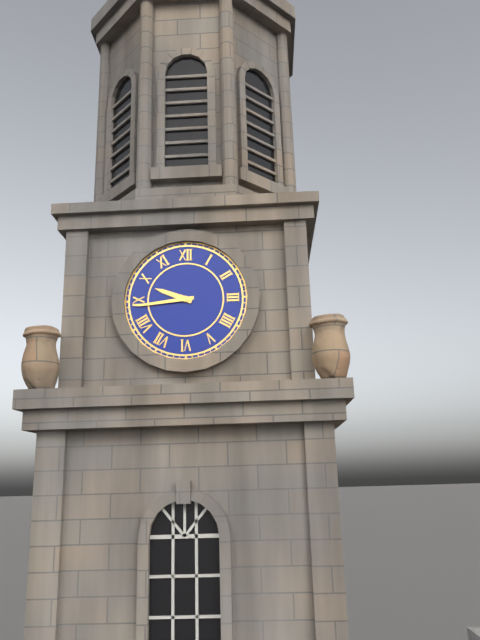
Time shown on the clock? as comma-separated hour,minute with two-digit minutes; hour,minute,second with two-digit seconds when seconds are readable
9,44
